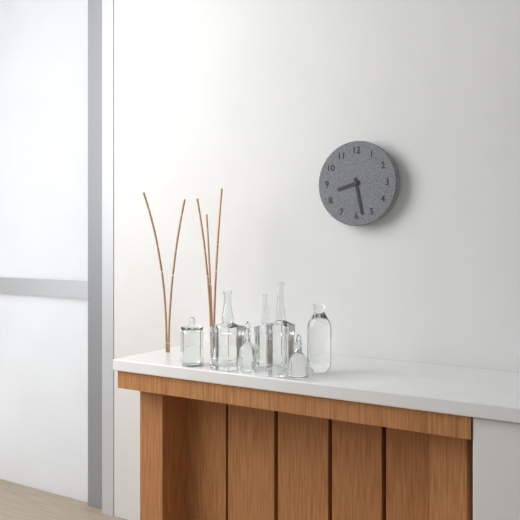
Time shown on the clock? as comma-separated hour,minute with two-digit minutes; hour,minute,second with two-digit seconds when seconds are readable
8,28
